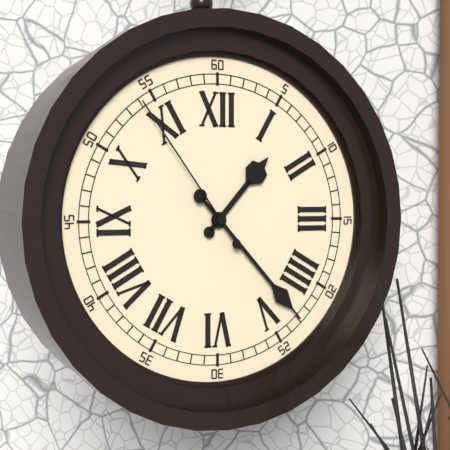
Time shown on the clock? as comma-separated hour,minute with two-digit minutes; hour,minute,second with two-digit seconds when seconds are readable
1,23,54
